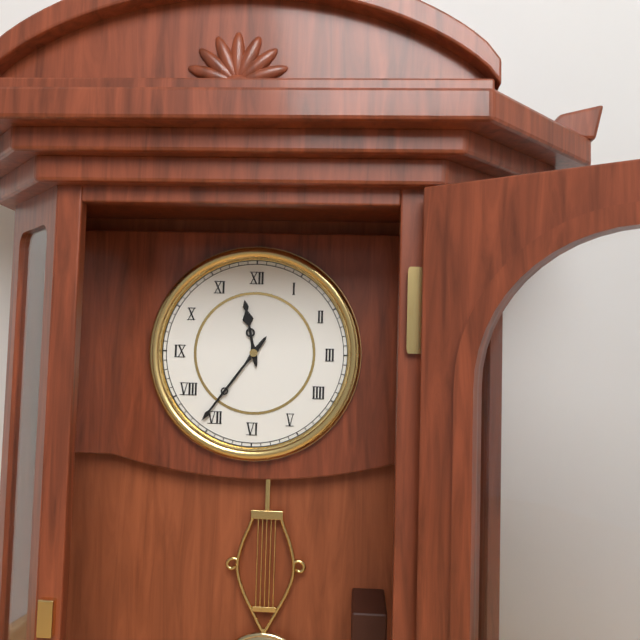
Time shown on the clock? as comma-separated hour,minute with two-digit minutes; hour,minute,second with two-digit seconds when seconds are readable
11,36
